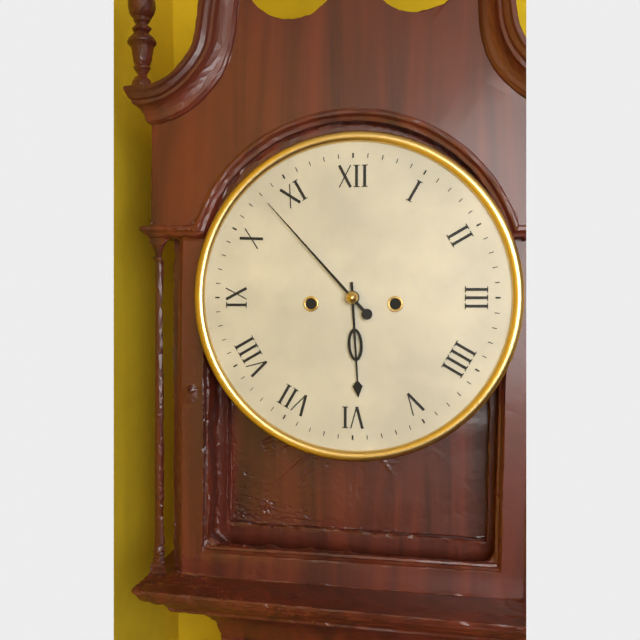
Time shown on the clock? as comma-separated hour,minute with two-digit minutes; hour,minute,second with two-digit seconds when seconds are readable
5,53
